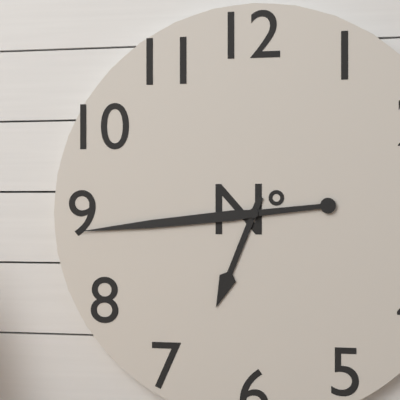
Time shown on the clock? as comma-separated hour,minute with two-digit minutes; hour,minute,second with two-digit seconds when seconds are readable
6,44
